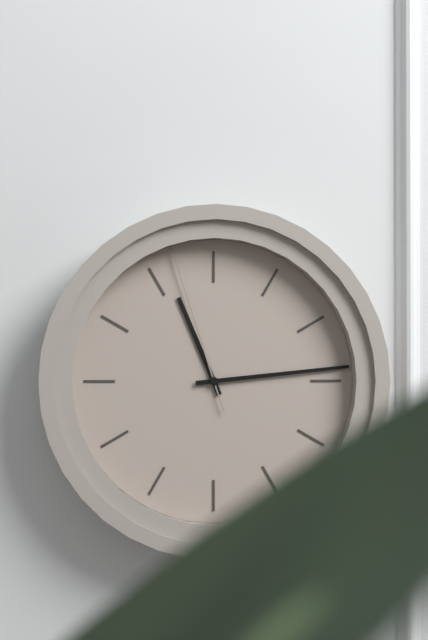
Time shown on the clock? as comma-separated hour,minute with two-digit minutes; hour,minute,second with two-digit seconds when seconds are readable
11,14,57
